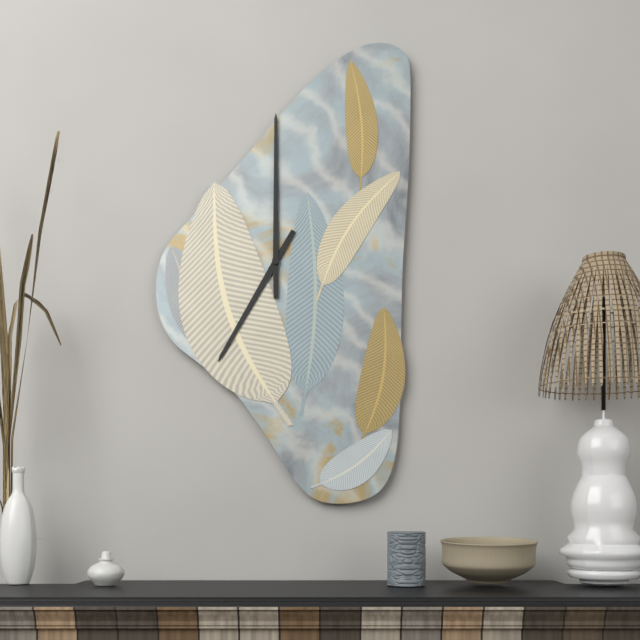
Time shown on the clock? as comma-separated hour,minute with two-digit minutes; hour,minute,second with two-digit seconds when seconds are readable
7,00
